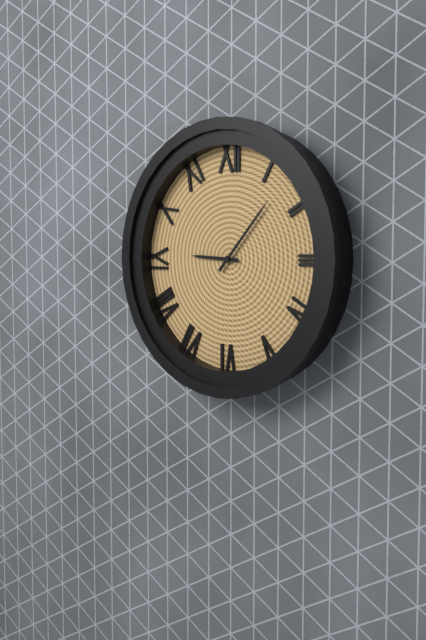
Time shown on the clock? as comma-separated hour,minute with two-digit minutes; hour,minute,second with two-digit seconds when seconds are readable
9,07
